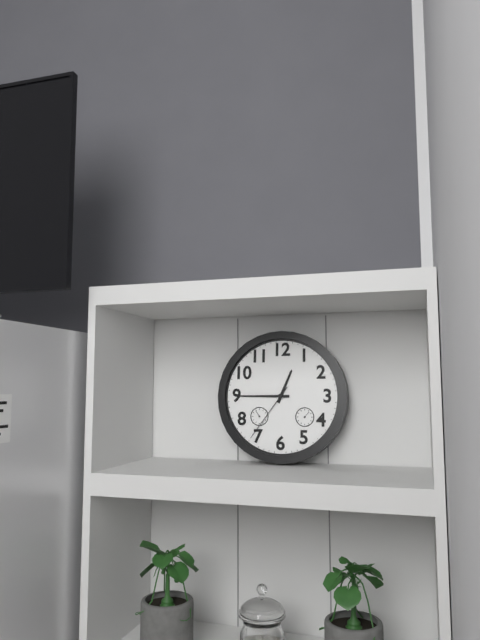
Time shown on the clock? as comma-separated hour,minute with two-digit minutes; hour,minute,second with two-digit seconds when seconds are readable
12,45,36
